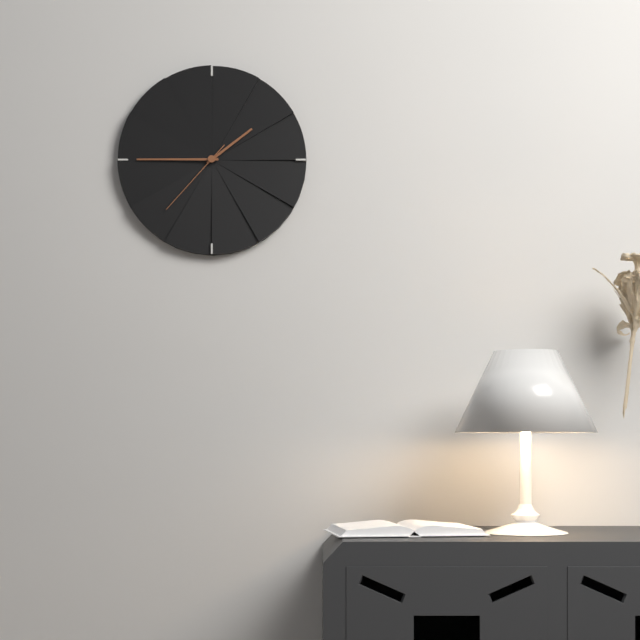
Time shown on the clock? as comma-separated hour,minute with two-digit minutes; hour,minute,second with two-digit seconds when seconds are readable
1,45,37
